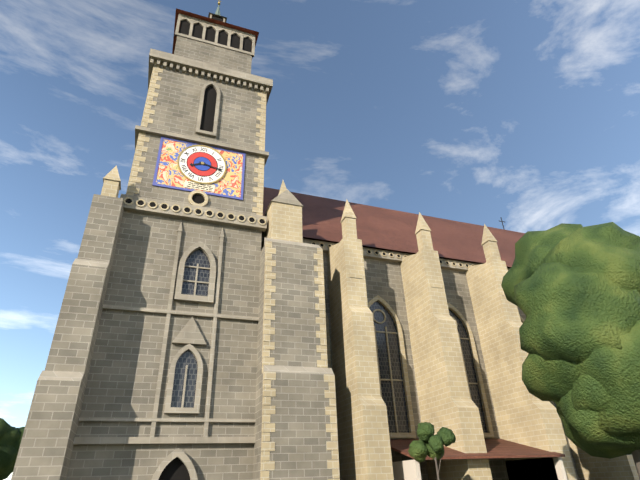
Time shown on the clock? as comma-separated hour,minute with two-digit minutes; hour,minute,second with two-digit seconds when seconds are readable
8,17
